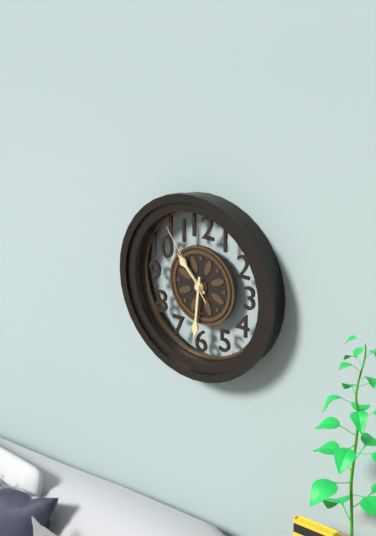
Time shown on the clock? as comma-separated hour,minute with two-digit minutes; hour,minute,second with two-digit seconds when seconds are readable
10,31,54
